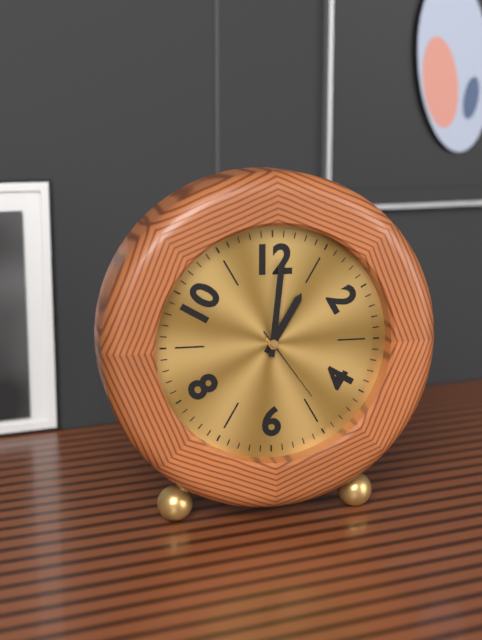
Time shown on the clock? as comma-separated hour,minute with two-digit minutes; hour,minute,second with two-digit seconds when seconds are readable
1,01,24
